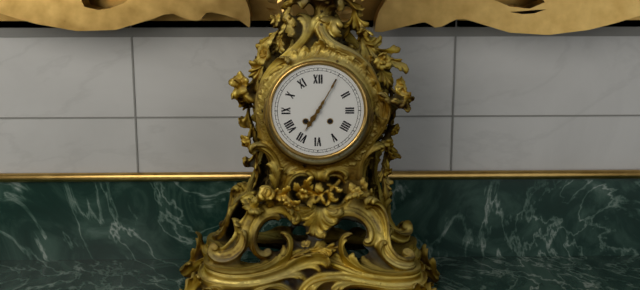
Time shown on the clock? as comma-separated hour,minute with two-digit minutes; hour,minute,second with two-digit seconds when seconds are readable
7,05
